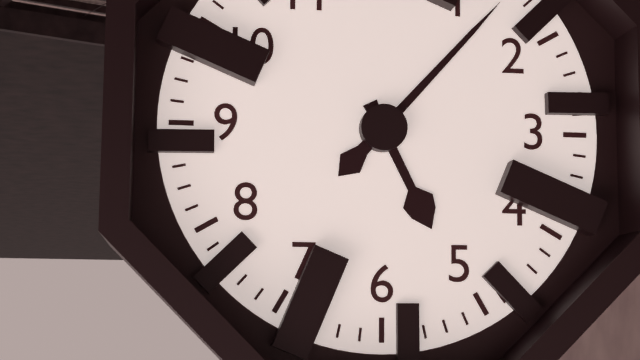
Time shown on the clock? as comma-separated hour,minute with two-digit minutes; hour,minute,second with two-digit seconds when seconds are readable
5,07
